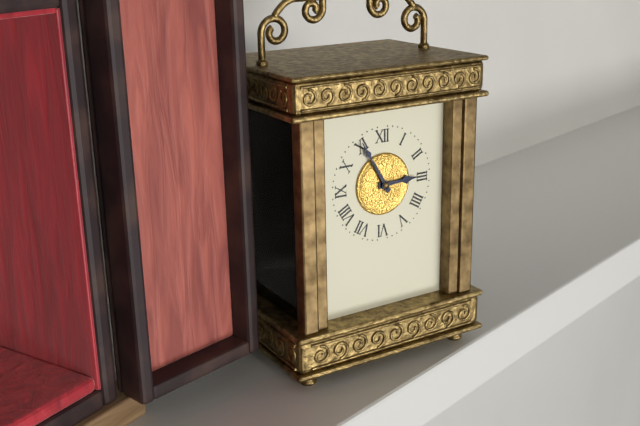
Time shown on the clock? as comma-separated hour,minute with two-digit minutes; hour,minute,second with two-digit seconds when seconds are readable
2,55
